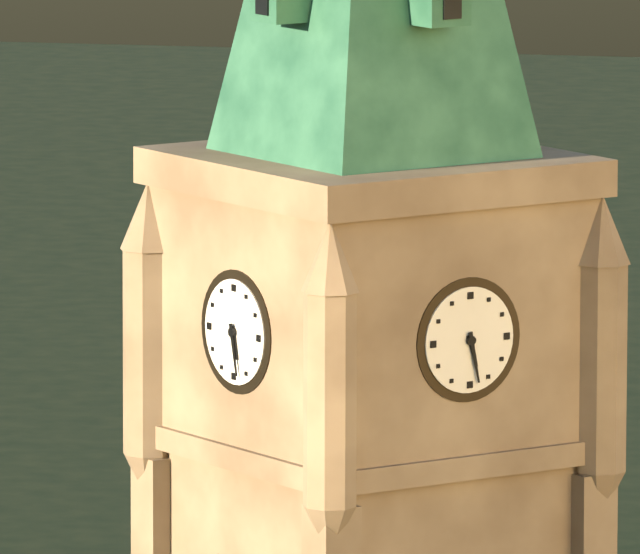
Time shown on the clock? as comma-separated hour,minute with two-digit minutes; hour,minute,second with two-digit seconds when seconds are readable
5,28
